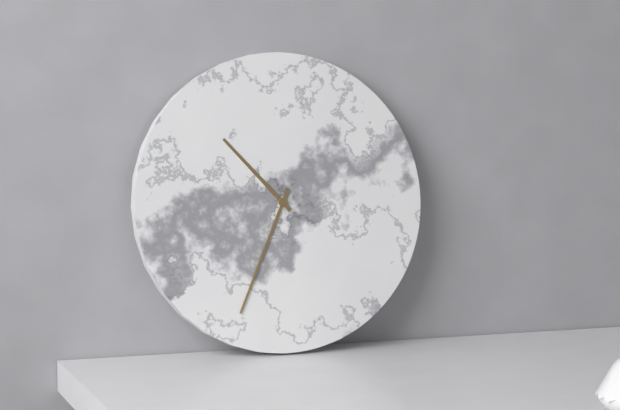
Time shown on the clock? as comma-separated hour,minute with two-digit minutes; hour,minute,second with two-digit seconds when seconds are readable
10,34
